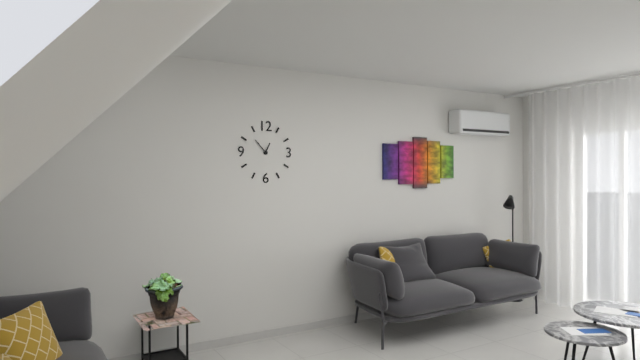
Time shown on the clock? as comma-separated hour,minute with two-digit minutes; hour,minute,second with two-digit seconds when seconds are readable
12,53
